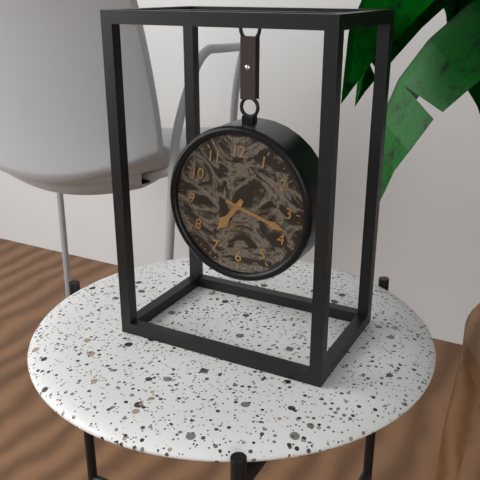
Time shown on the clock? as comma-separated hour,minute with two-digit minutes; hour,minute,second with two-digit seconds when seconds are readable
7,18
